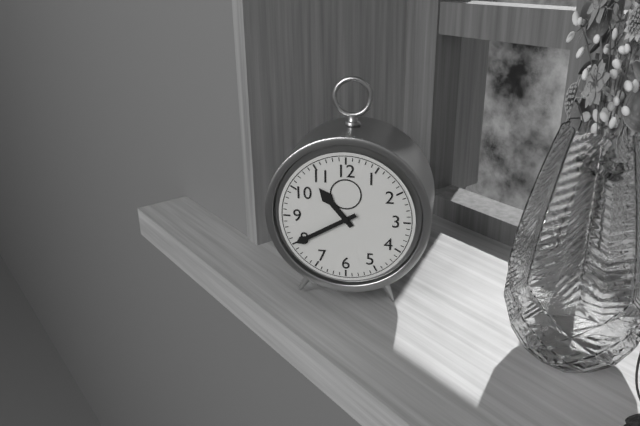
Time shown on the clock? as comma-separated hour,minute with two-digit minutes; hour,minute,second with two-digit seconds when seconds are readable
10,40
